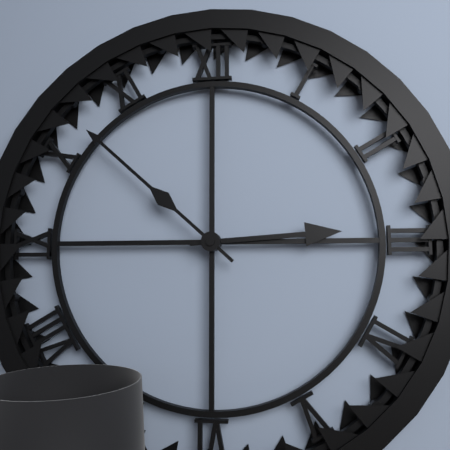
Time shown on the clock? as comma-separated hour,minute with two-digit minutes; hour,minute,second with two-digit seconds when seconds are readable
2,52
